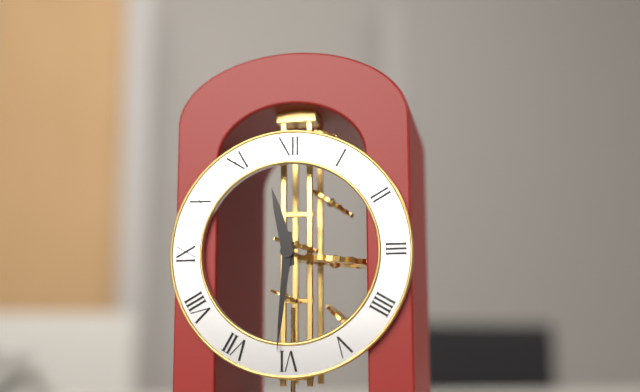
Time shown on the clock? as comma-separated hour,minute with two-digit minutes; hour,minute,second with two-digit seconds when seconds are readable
11,31
